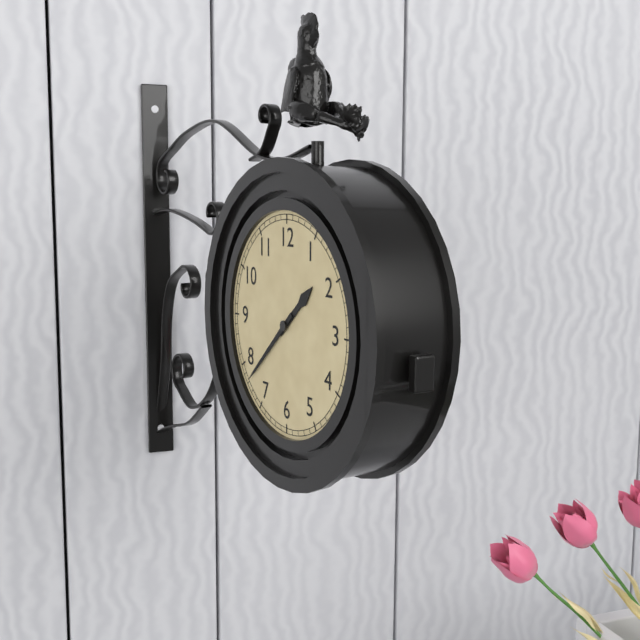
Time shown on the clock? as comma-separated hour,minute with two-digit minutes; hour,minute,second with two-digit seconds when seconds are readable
1,38
